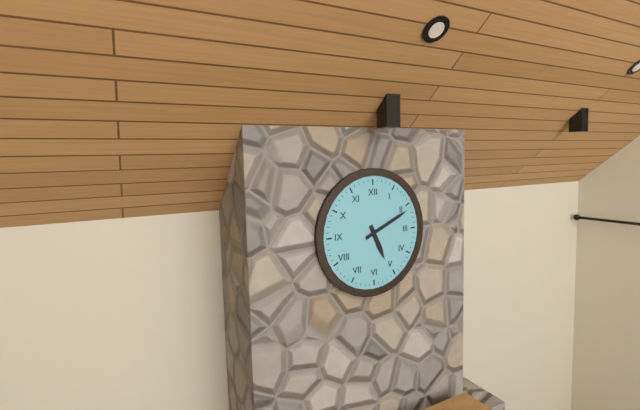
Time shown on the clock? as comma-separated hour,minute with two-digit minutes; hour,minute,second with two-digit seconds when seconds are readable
5,11
